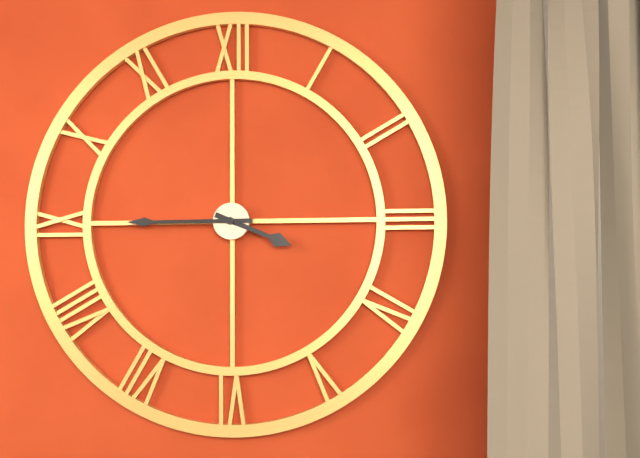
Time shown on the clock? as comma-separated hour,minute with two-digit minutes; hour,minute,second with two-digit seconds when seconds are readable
3,45
